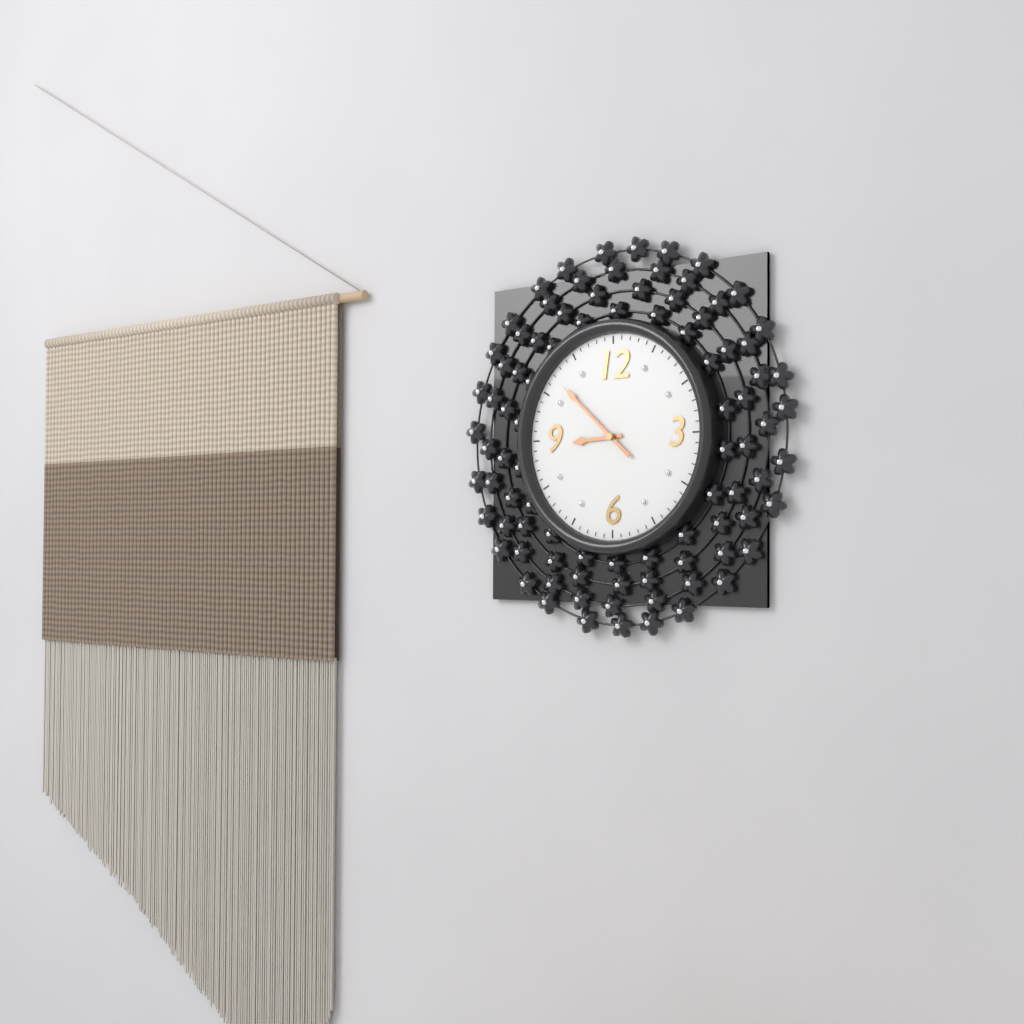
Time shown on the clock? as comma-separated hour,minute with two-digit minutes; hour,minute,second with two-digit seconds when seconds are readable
8,52
